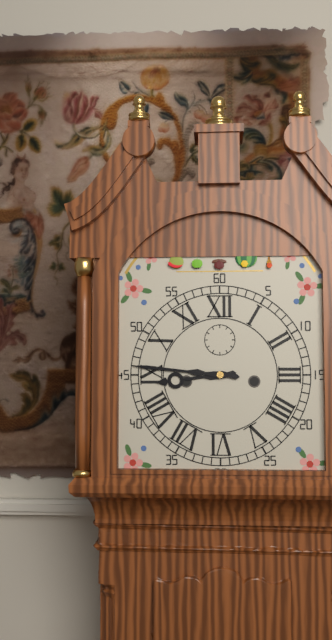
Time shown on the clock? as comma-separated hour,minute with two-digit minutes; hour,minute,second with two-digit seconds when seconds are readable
8,46
